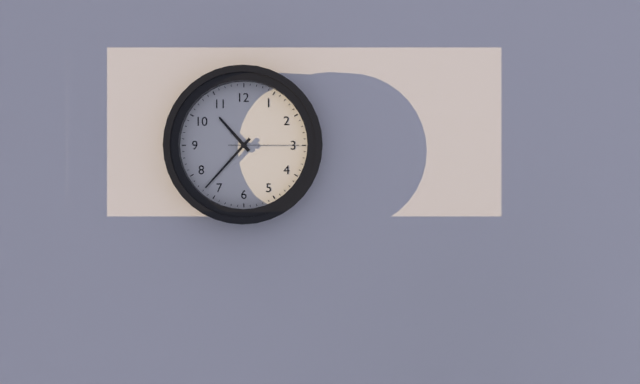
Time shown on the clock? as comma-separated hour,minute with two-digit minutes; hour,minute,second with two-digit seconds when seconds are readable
10,37,15
